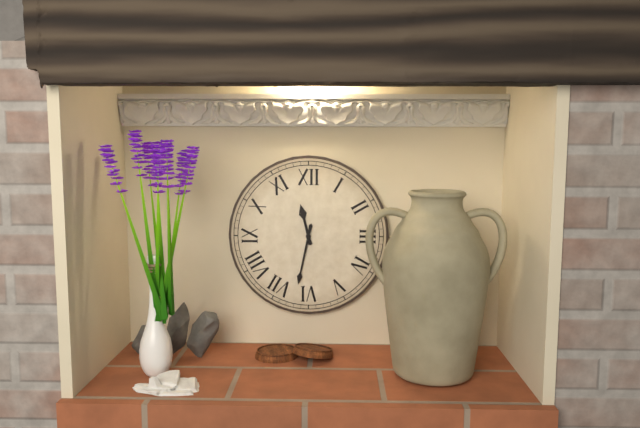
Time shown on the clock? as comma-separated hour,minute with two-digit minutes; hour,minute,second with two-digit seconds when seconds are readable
11,32
